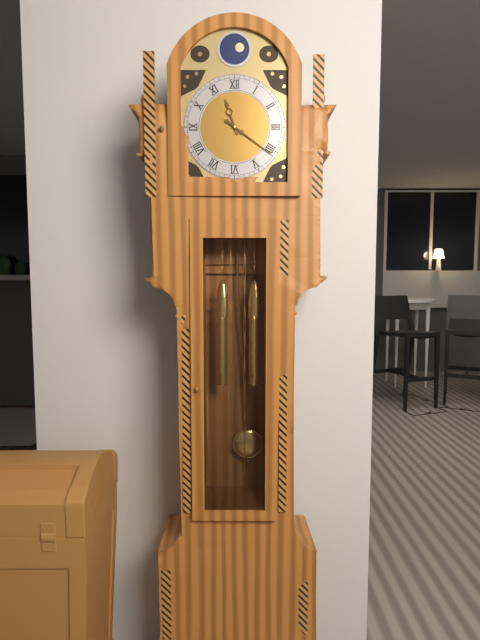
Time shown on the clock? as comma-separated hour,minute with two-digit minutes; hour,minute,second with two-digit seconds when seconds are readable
11,21
